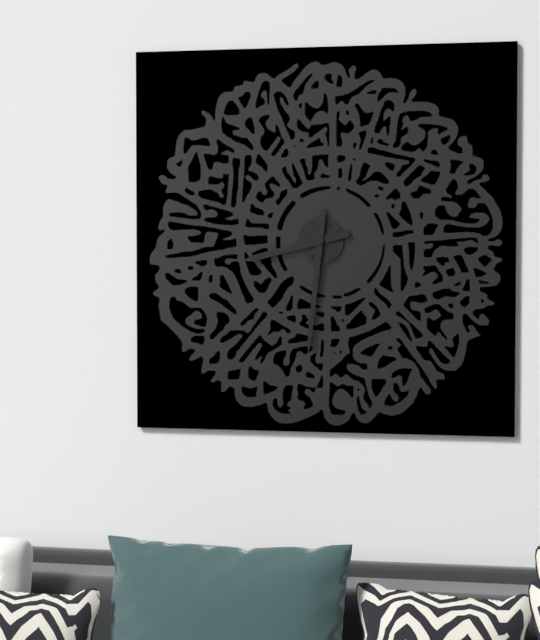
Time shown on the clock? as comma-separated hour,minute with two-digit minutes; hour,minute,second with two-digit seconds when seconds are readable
8,31
